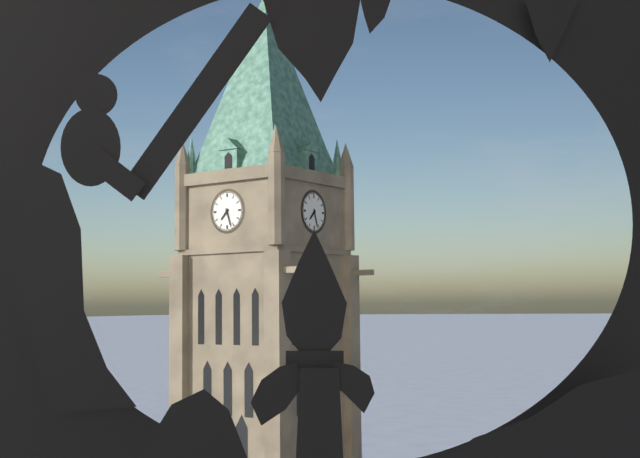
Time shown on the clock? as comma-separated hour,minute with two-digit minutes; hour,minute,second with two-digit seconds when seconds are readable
7,27
